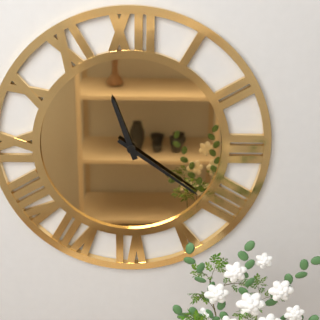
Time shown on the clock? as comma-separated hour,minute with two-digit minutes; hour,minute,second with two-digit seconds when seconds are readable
11,21
